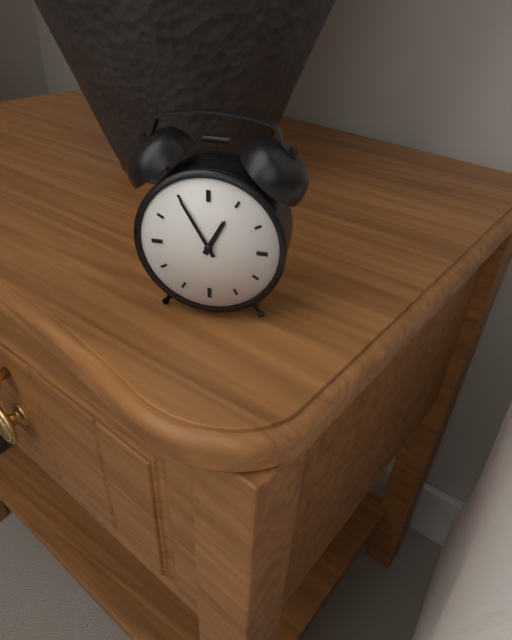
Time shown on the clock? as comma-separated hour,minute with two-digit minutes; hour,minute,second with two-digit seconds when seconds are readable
12,55
